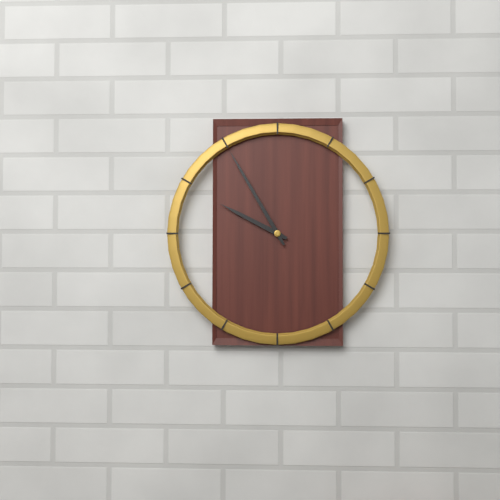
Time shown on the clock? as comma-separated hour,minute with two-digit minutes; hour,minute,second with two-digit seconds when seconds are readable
9,55
